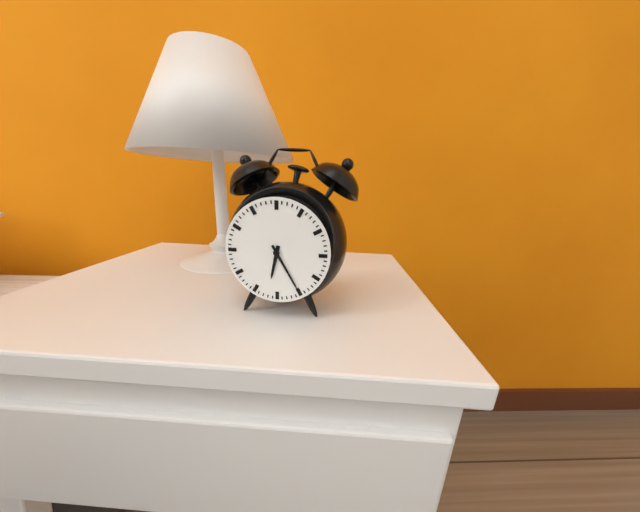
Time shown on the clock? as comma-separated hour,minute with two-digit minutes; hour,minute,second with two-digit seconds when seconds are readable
6,25
